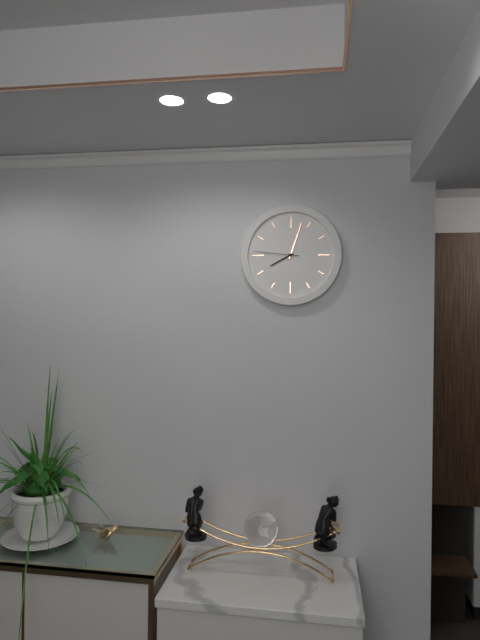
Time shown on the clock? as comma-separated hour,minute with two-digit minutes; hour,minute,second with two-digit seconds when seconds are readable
8,03
